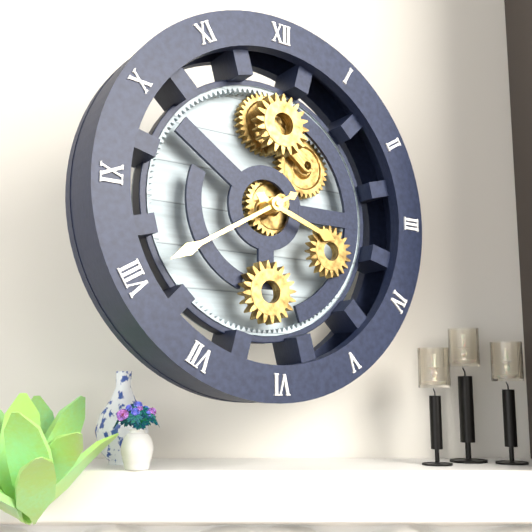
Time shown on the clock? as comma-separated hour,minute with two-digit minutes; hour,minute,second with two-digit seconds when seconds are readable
3,40
